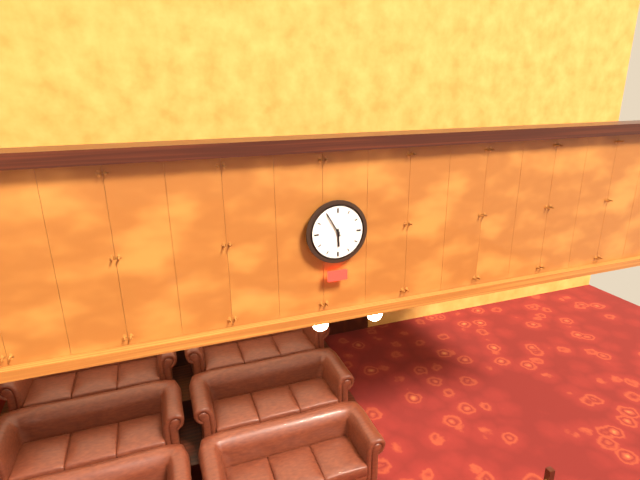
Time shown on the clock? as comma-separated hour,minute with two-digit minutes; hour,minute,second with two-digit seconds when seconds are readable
5,55
